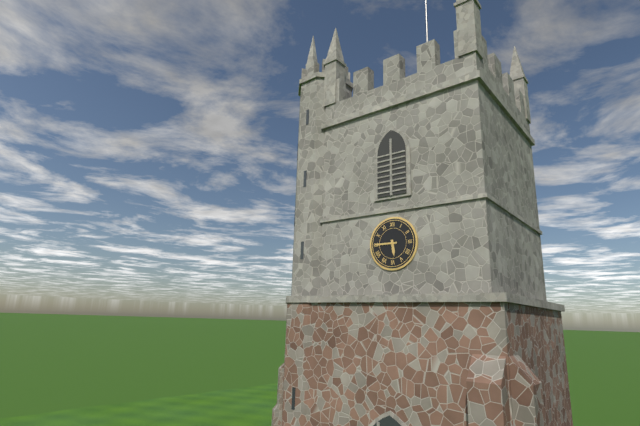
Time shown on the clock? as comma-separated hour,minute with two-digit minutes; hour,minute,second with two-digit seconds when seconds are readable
5,45
